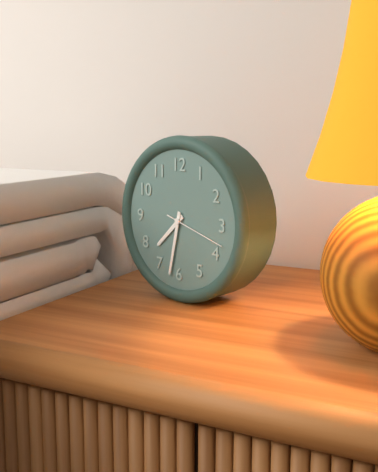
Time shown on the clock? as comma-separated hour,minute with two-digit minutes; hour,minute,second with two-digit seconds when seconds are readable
7,32,18
